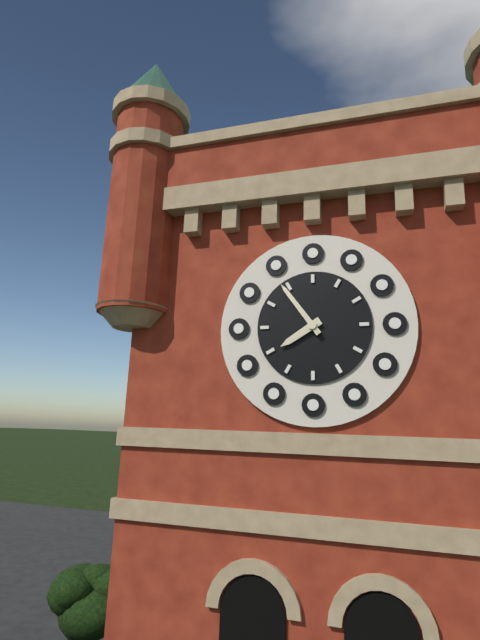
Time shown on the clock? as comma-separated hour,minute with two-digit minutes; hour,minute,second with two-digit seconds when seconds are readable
7,54
